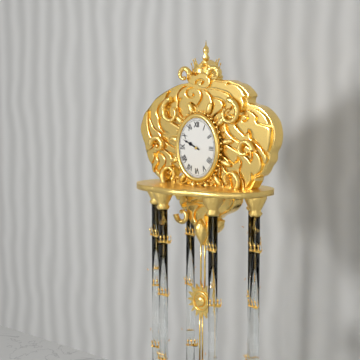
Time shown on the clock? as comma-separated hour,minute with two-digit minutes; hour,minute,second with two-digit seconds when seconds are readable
9,49
